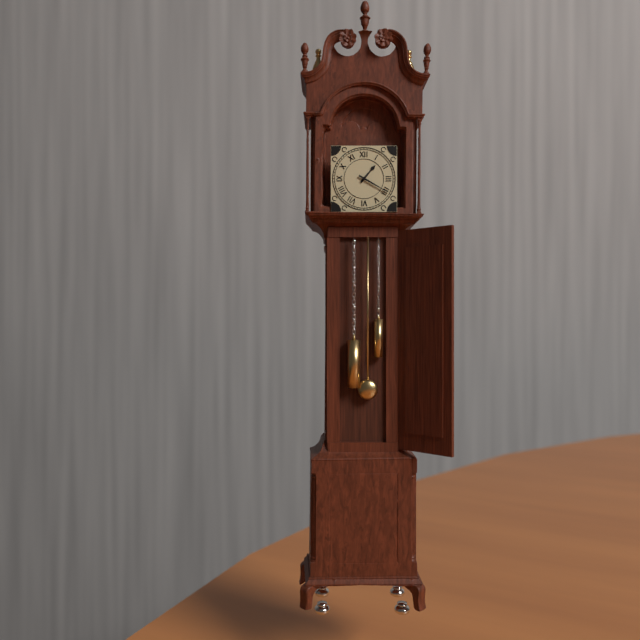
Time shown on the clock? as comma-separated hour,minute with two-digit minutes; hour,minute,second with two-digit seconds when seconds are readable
1,20
